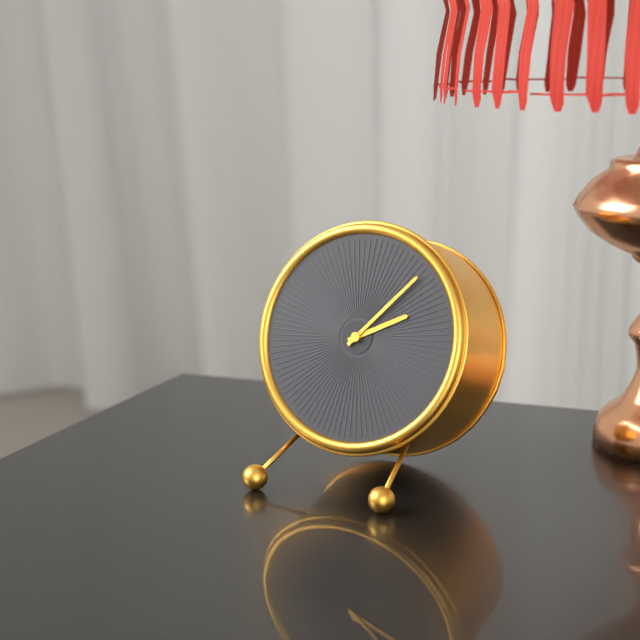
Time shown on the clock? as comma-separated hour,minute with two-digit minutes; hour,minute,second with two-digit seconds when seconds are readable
2,07
